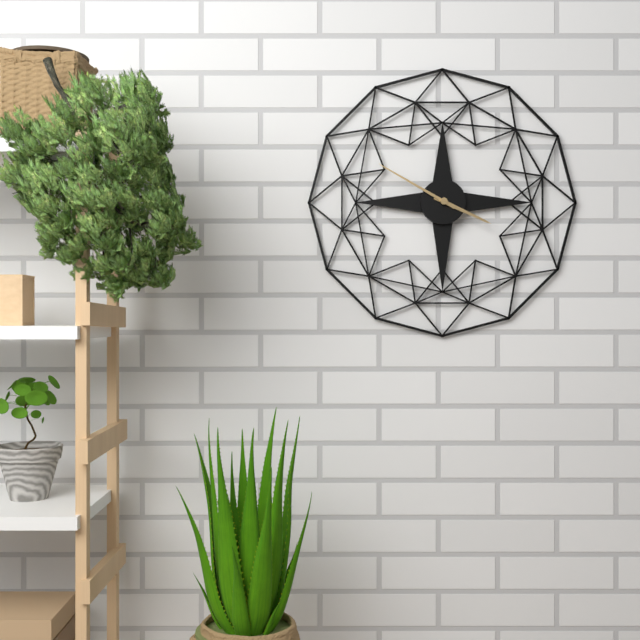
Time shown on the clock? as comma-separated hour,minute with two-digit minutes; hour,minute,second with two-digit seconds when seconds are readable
3,50
